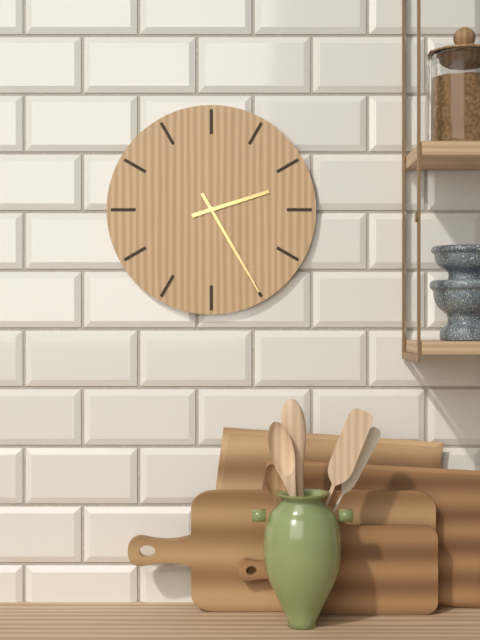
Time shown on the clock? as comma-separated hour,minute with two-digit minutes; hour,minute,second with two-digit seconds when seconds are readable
2,25
